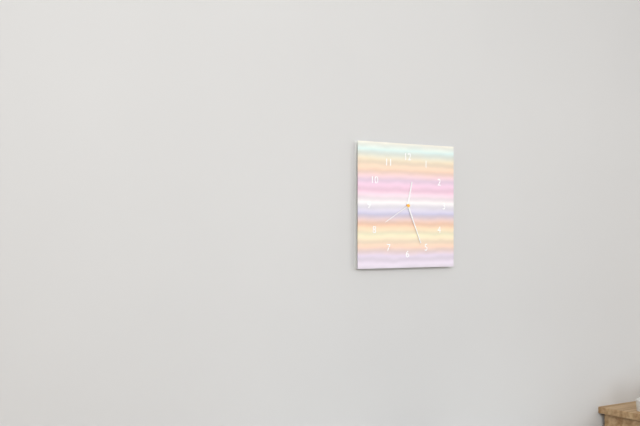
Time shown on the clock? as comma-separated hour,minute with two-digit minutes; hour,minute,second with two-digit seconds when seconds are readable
12,26
